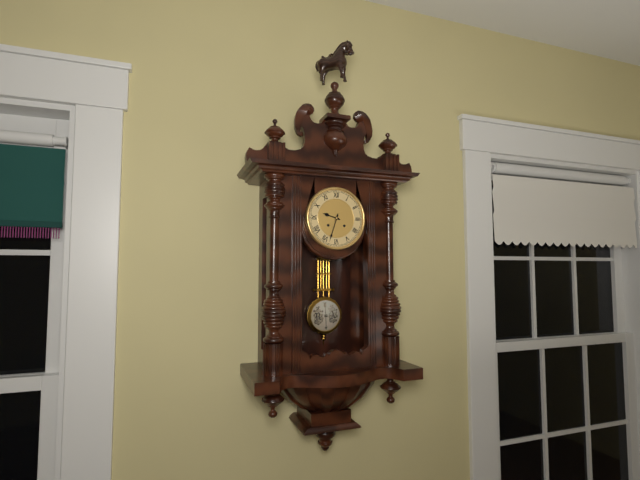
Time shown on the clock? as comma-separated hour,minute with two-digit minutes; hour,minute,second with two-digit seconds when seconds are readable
9,33
